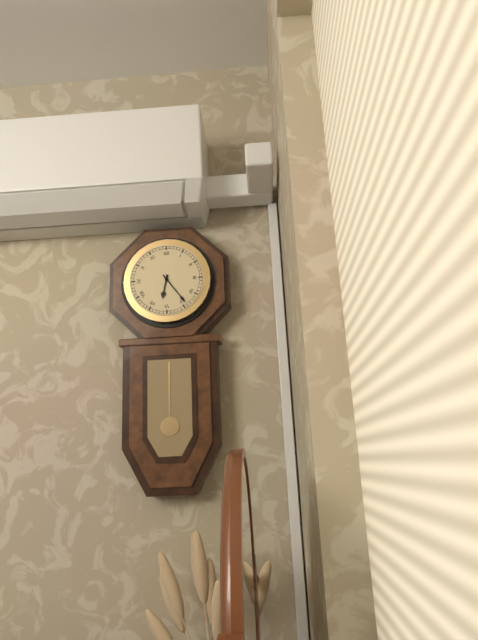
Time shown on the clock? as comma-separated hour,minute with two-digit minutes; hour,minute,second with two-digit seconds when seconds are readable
6,24
